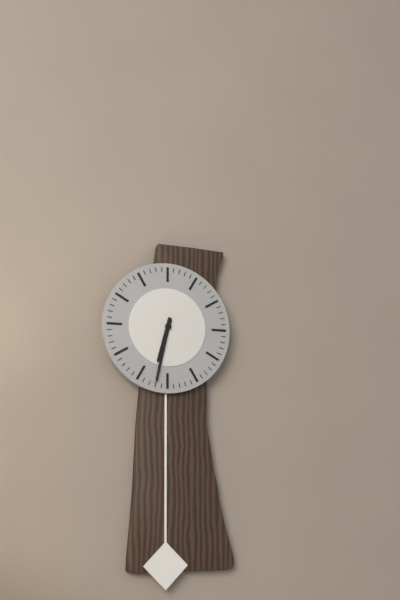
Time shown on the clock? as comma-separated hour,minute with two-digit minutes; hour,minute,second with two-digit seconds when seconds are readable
6,32
